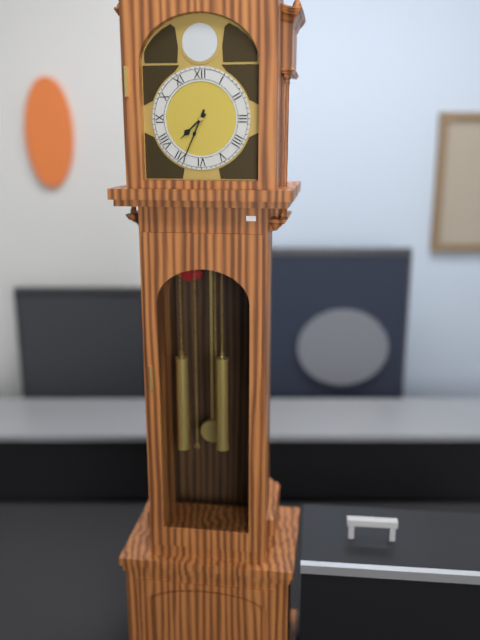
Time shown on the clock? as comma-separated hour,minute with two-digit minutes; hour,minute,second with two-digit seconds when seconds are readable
7,34
